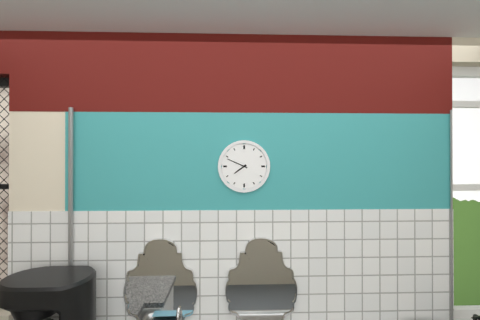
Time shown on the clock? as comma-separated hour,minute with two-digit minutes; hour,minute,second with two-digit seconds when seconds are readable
7,49
